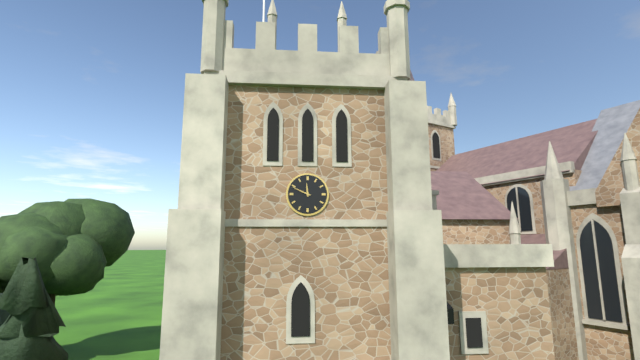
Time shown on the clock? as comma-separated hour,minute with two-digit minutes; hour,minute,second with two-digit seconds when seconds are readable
11,49
